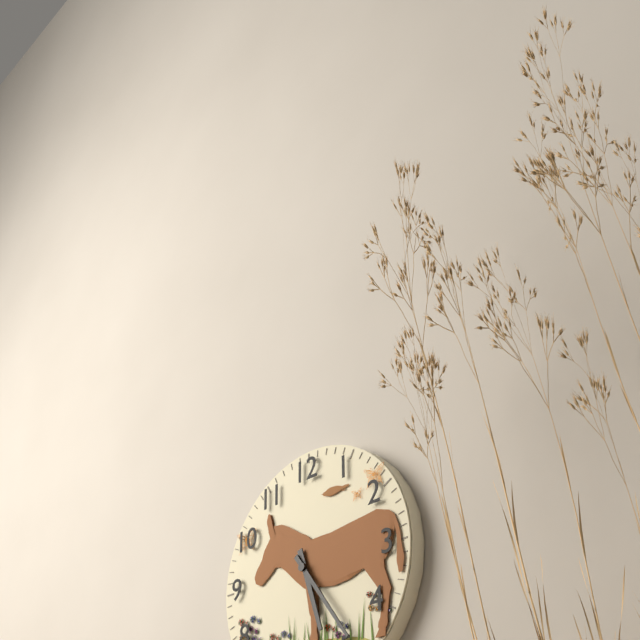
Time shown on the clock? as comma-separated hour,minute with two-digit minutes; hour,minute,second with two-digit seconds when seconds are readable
5,24
